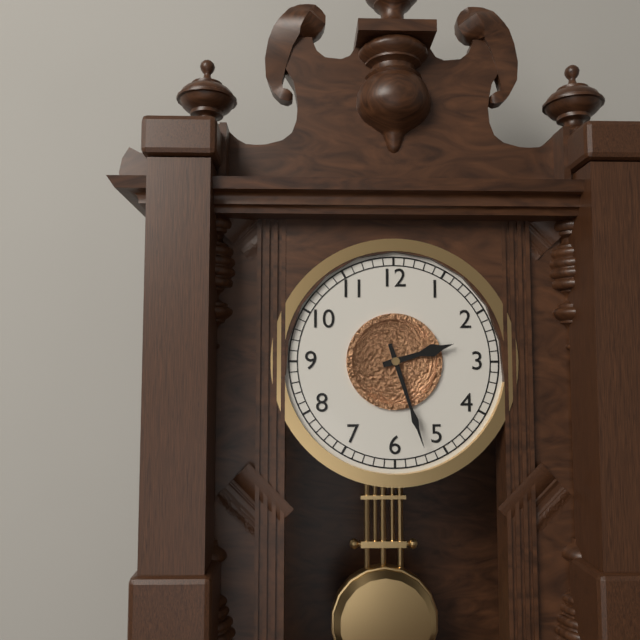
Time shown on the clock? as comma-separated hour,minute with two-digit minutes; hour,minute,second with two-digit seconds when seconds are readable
2,27
